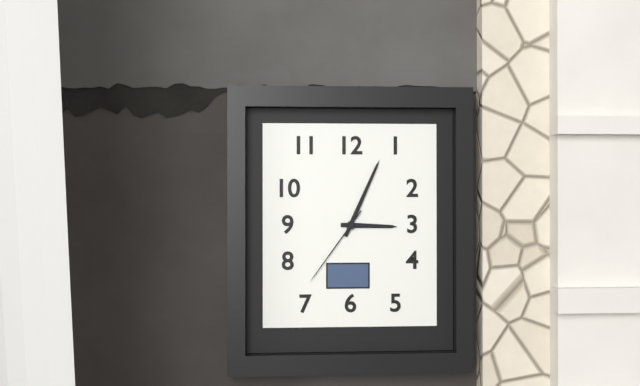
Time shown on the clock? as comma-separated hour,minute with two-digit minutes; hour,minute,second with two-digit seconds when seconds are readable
3,04,36
